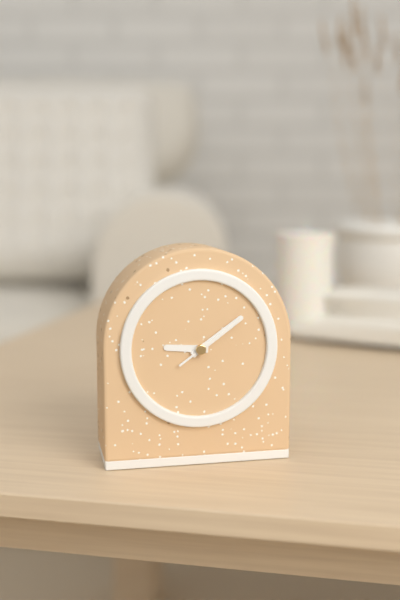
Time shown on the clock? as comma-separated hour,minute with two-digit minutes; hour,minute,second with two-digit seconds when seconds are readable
9,09,09
